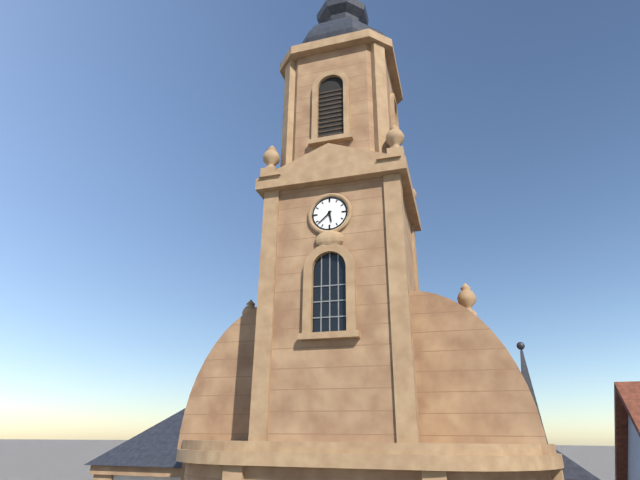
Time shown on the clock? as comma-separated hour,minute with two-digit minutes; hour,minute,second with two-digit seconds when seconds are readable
5,38
